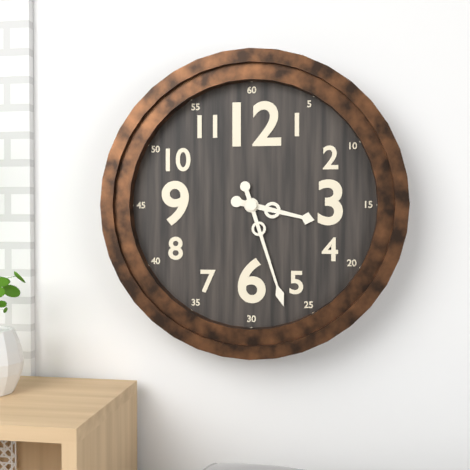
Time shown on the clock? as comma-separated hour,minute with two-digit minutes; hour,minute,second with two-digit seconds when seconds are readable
3,27
